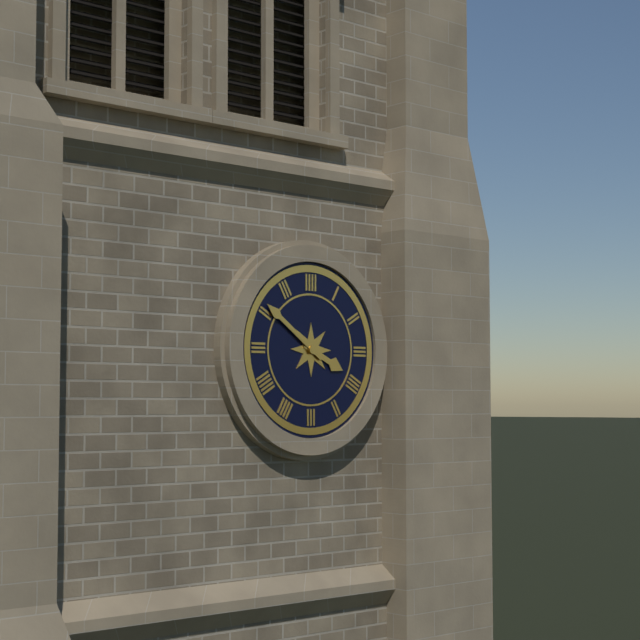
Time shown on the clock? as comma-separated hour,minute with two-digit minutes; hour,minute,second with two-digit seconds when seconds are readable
3,51
